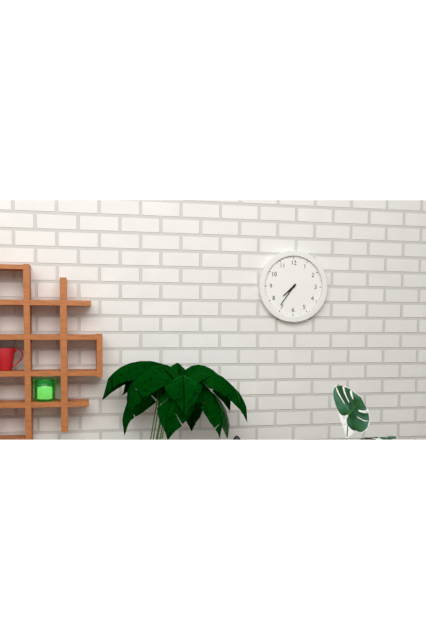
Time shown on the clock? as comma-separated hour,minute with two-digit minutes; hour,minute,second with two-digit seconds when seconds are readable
7,36
